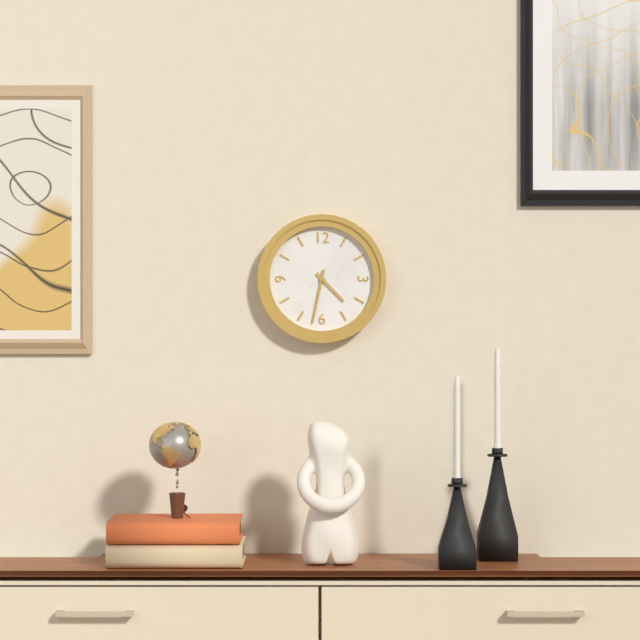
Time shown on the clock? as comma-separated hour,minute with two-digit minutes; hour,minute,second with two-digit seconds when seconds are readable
4,32
